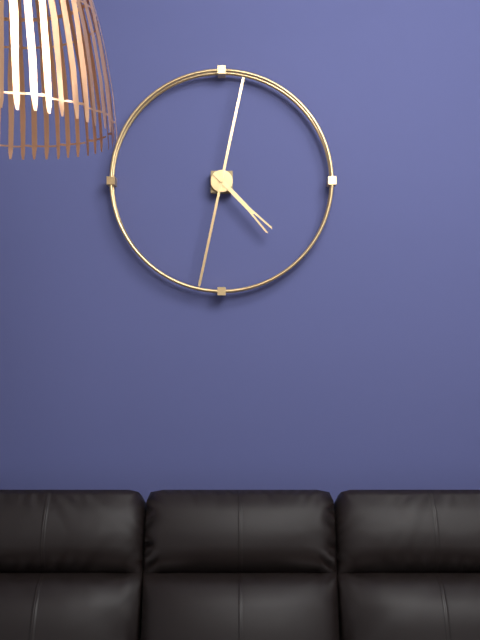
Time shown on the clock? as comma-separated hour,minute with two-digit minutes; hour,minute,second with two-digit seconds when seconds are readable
4,32
